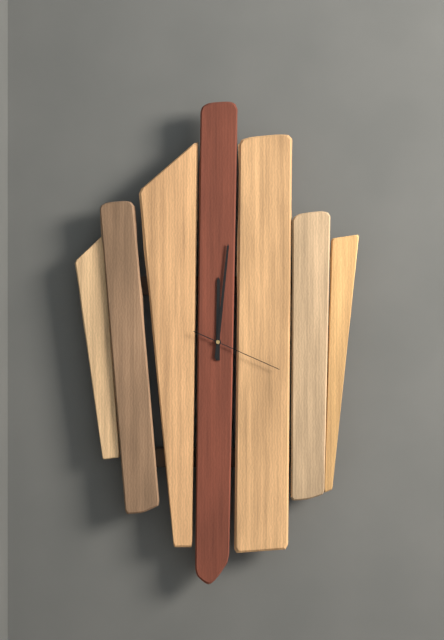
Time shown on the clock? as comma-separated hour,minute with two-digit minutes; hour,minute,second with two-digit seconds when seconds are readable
12,01,19
